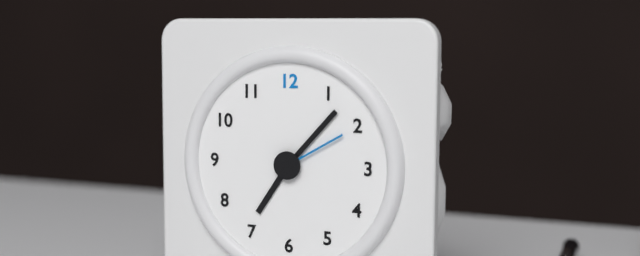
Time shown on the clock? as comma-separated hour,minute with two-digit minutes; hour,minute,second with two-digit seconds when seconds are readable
7,07,10
